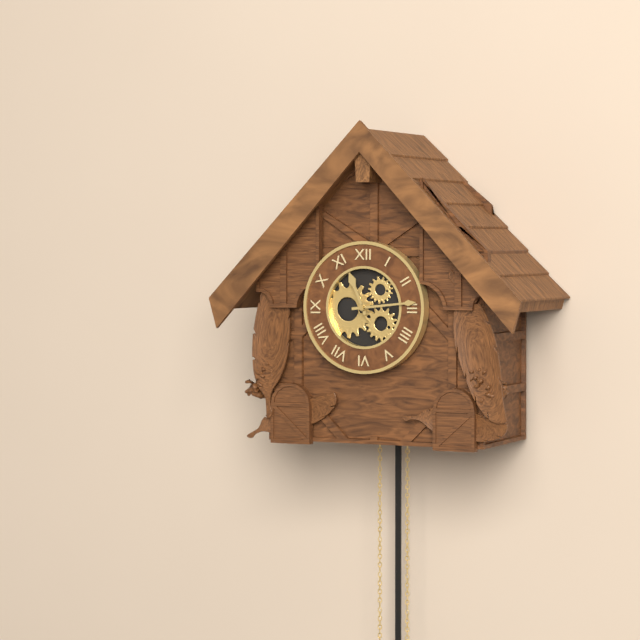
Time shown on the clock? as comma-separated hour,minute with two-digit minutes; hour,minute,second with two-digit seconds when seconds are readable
11,14
